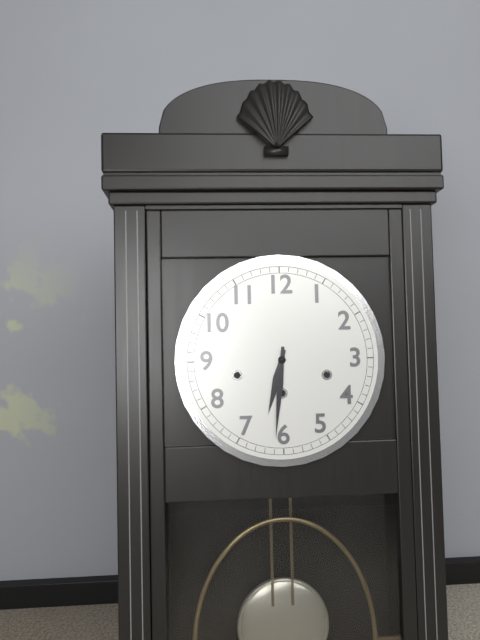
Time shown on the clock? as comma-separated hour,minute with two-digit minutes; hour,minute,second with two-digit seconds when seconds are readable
6,31
